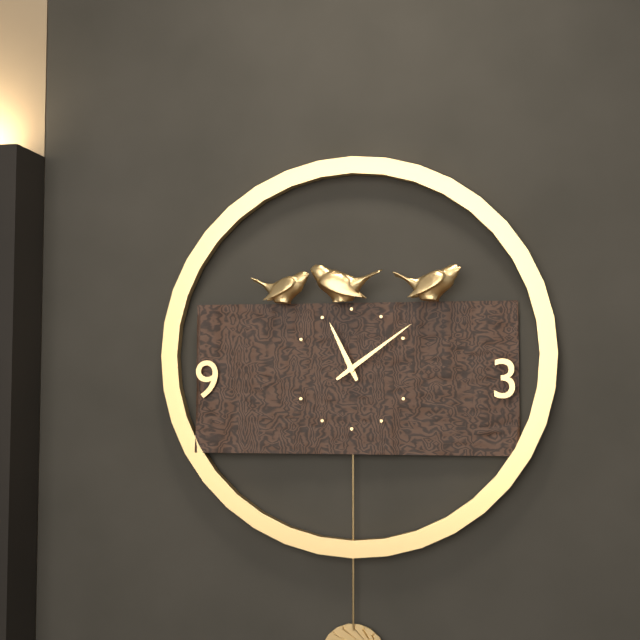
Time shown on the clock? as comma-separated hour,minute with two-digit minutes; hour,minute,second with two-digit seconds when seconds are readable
11,09
